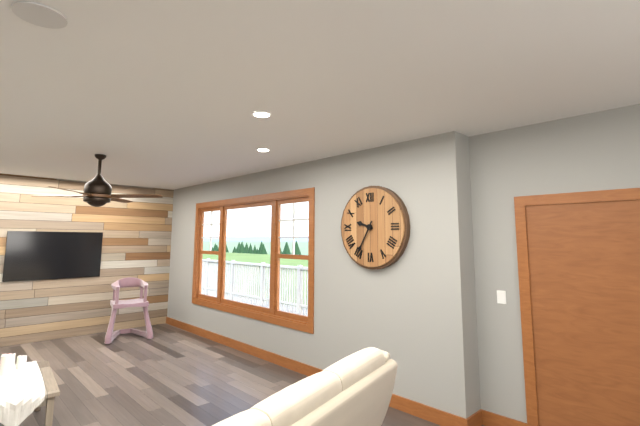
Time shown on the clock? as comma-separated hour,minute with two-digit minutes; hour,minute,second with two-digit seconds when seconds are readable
9,35
